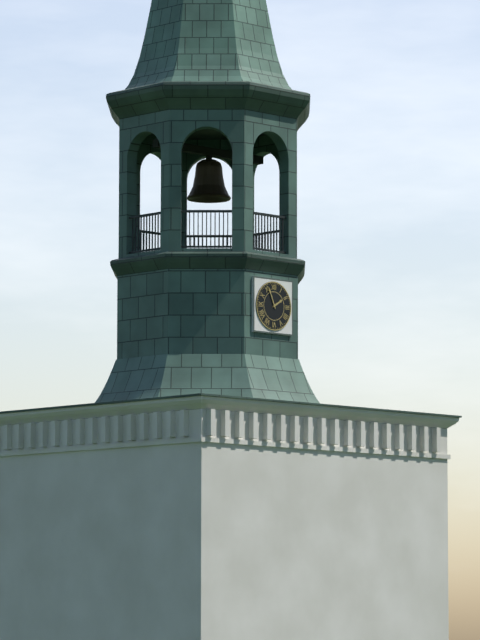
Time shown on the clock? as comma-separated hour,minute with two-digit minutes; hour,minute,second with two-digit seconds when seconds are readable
1,56
